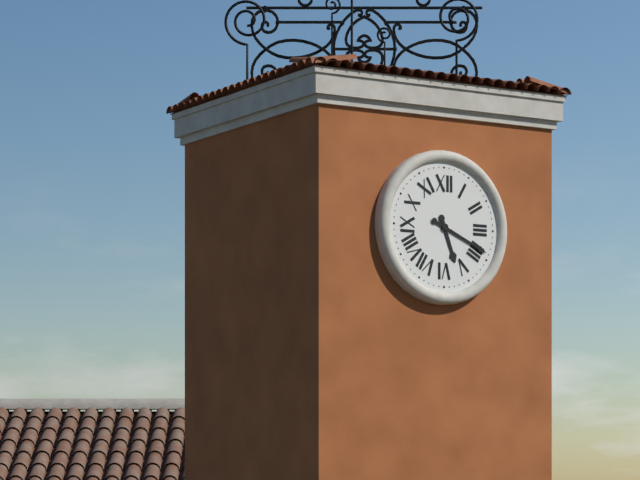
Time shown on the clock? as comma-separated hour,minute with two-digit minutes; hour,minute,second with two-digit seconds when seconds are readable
5,19
